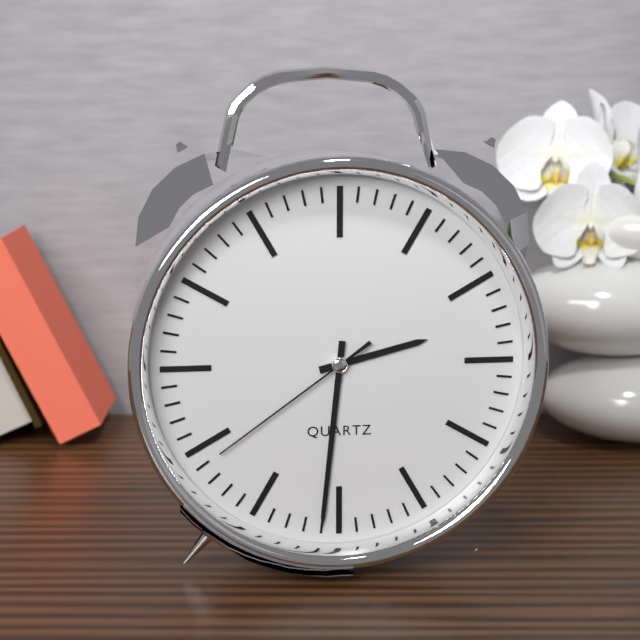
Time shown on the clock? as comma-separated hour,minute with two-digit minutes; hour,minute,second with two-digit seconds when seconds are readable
2,31,39
